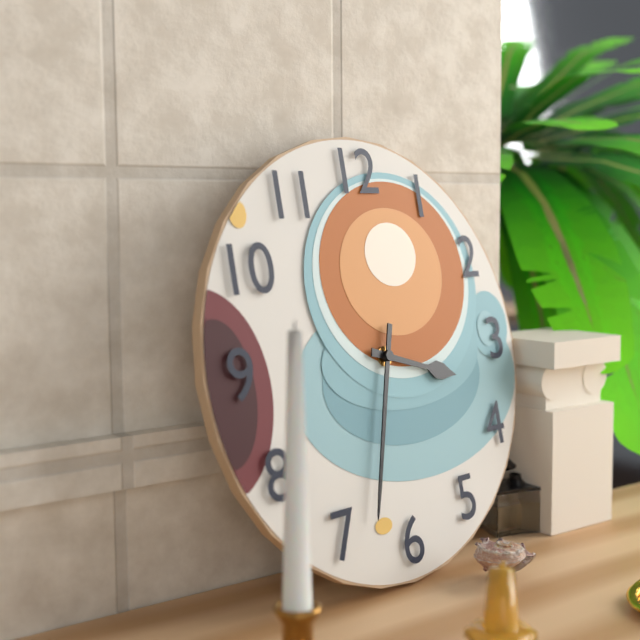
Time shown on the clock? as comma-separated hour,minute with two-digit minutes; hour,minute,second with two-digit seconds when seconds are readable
3,33
